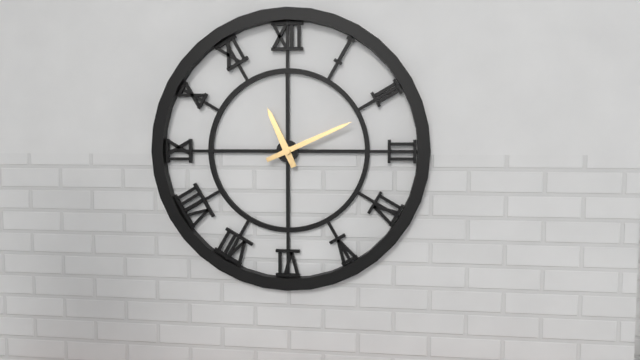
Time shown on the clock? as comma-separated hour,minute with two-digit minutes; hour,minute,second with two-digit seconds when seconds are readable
11,11
